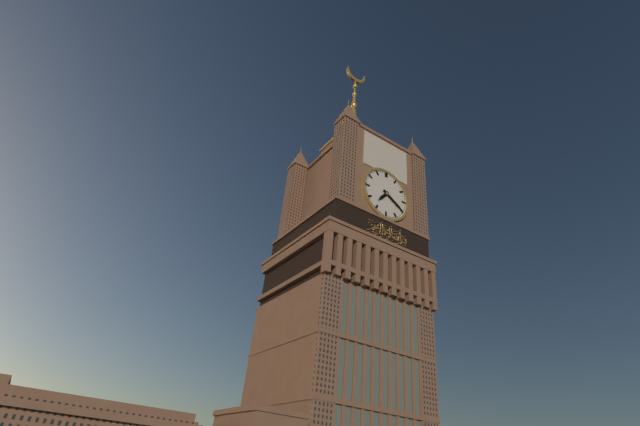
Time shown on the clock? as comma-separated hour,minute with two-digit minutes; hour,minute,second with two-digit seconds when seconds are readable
7,20
